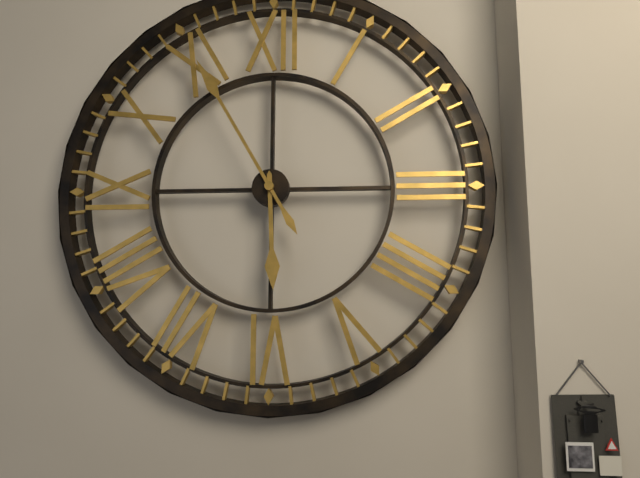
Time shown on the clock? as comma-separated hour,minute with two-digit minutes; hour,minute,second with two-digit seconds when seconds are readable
5,55
